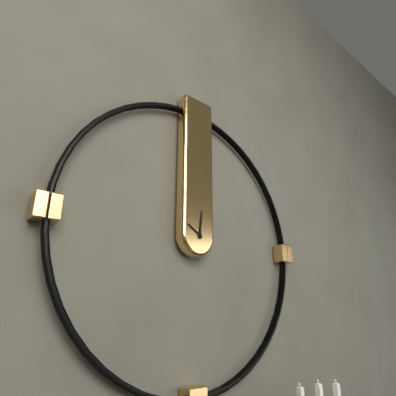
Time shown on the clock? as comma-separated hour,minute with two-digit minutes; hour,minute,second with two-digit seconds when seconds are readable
10,01
